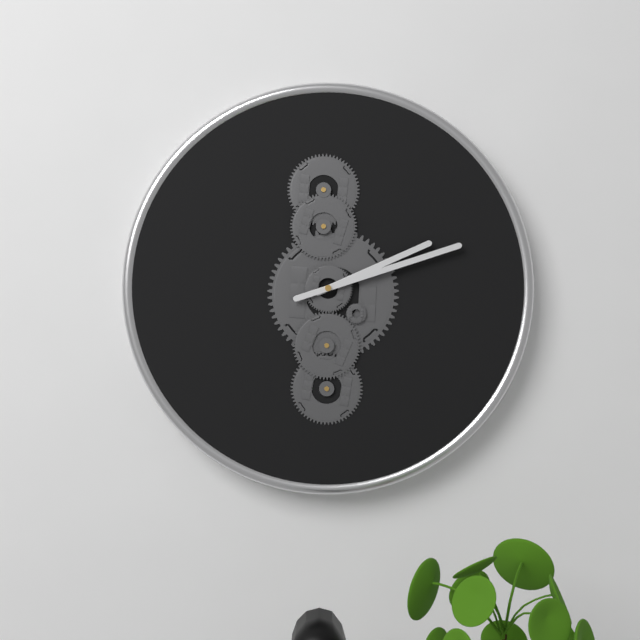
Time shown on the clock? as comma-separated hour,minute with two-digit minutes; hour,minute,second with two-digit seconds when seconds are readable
2,12
